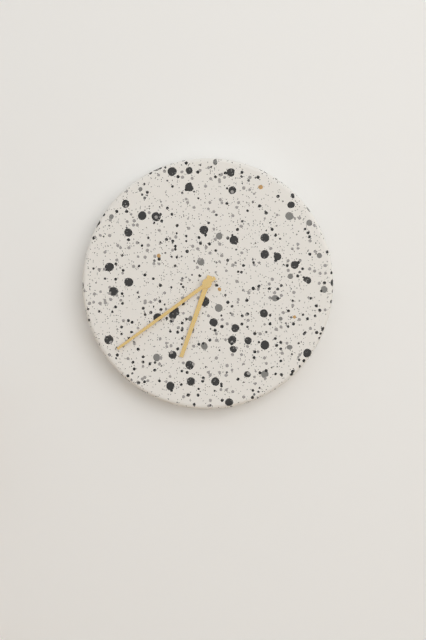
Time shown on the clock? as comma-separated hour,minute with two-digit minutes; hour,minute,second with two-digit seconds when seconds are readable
6,39
